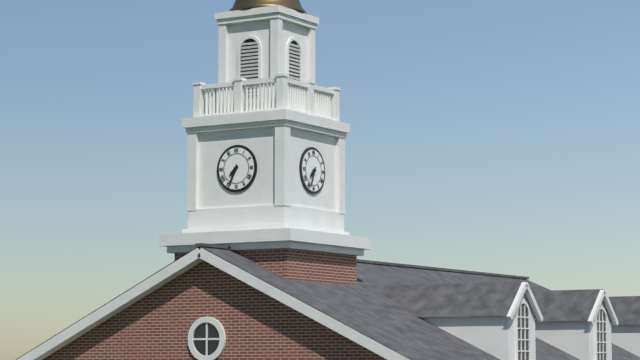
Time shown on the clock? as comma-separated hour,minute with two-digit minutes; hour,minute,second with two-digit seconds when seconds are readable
7,34
